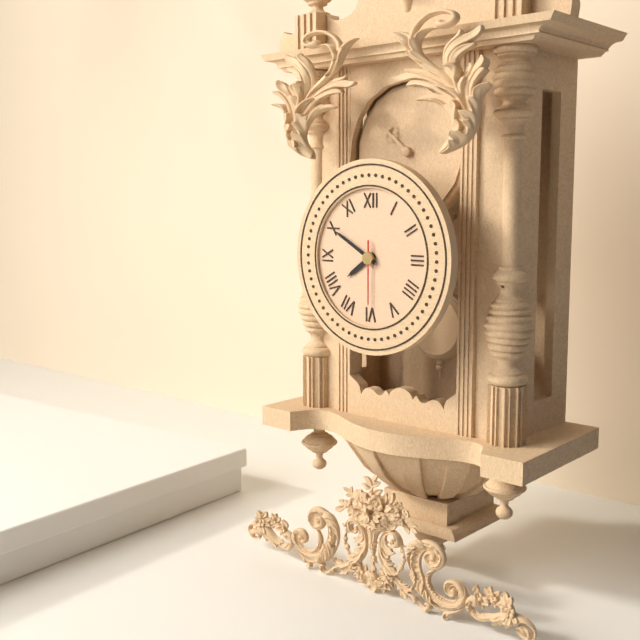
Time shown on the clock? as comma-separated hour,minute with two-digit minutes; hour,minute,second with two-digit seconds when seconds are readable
7,50,30
